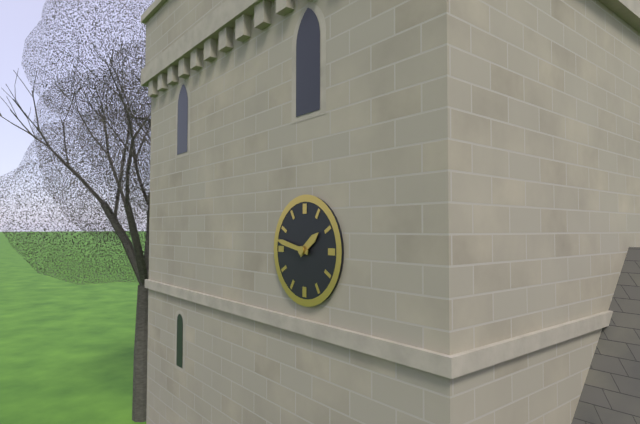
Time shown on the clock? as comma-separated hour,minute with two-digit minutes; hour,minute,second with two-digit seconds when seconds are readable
1,47
